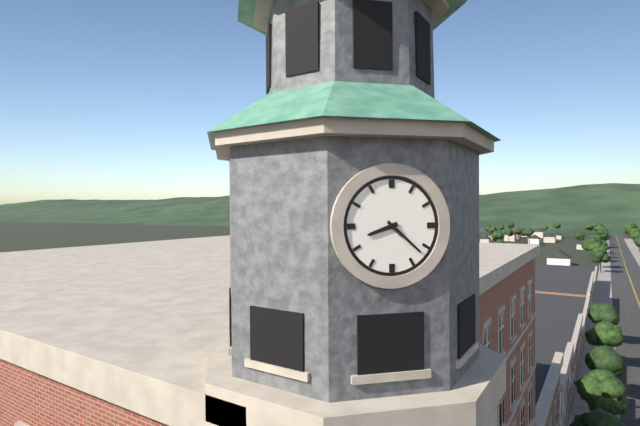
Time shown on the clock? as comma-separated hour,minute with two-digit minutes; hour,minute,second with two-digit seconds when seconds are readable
8,22
